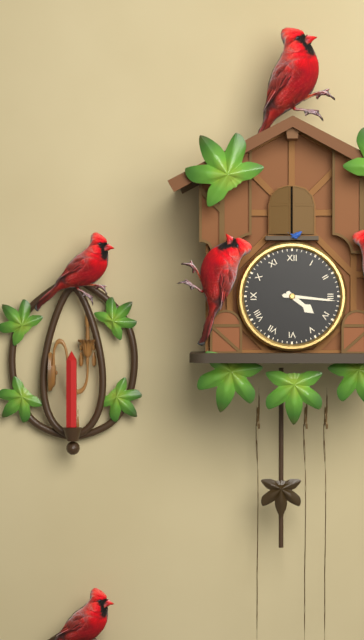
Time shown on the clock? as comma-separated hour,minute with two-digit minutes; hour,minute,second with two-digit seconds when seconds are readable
4,16
